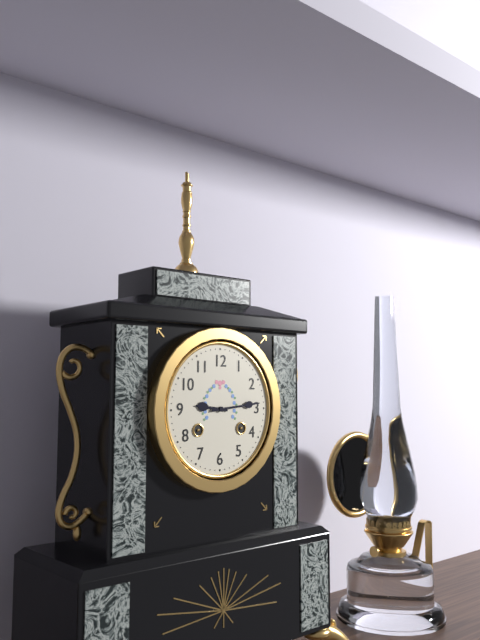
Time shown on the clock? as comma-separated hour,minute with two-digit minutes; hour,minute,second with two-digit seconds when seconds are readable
9,14
